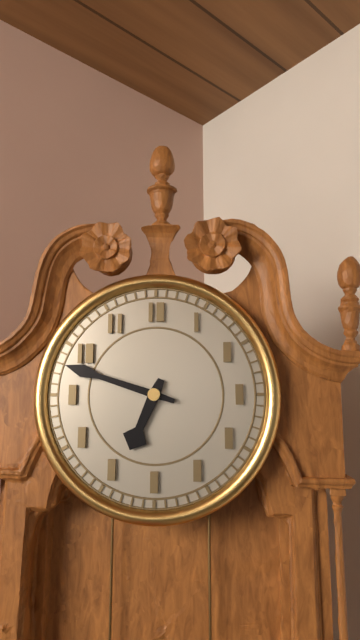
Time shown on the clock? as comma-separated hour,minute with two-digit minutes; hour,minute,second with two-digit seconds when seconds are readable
6,48
